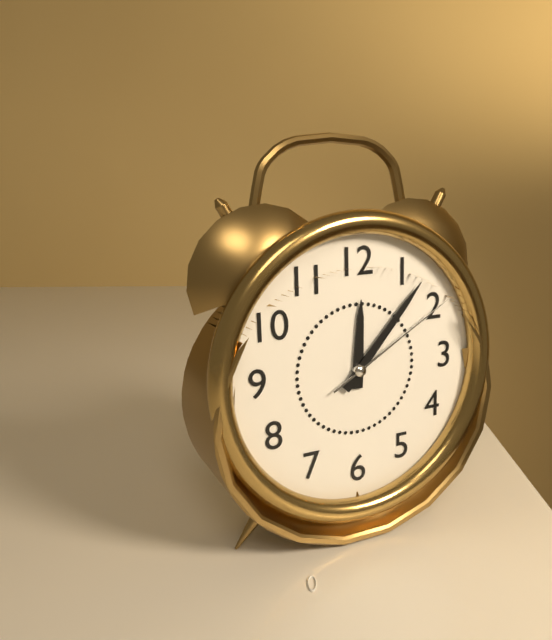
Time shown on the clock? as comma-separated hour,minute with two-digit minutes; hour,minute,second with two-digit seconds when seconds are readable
12,07,10
